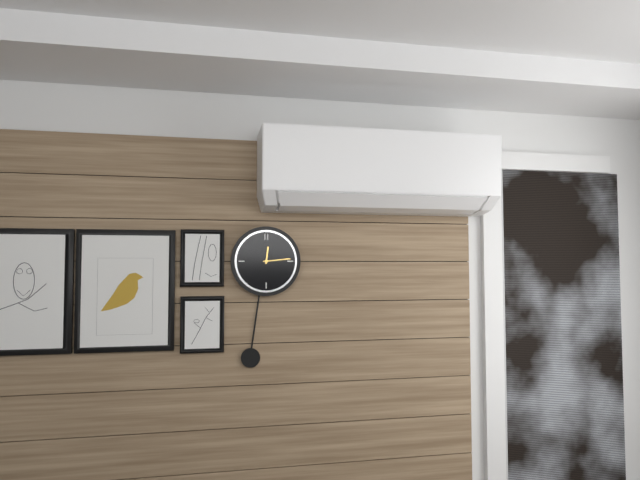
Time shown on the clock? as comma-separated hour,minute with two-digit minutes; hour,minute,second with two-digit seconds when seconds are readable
12,14
